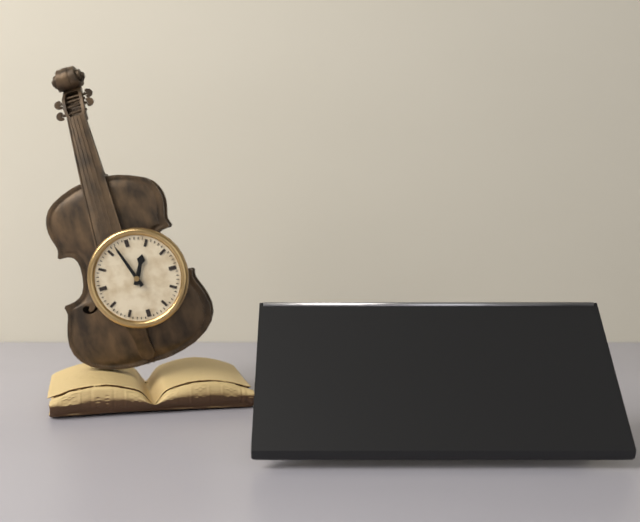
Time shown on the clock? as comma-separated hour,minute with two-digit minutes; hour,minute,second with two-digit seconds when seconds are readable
12,57
